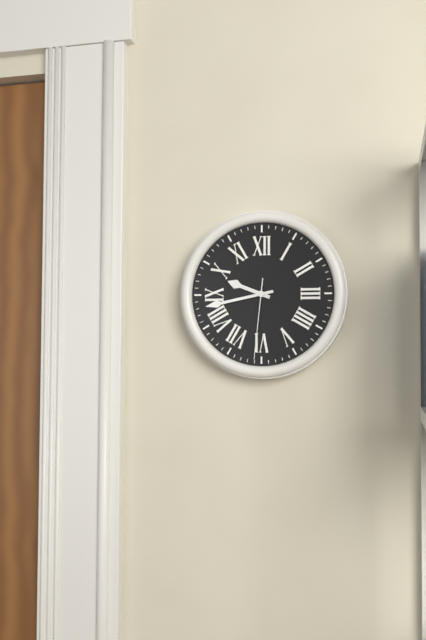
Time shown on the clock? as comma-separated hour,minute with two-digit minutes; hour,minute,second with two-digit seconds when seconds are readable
9,43,31
